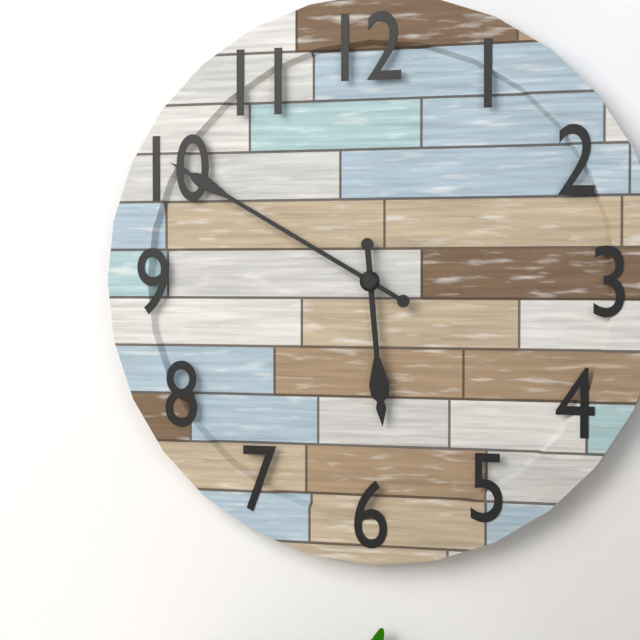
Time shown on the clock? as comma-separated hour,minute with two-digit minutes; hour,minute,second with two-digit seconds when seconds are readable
5,50
